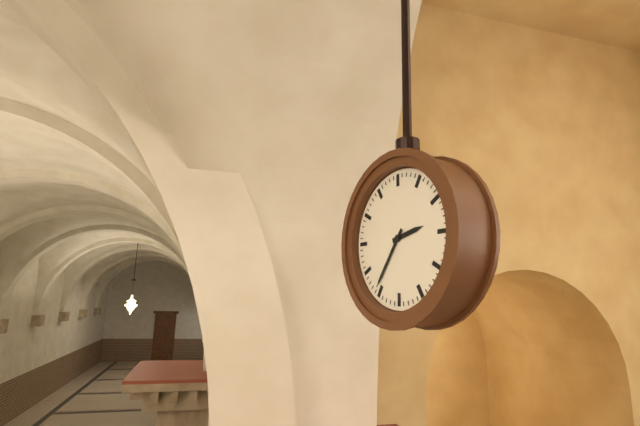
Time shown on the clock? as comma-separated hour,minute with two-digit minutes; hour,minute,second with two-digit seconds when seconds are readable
2,36
